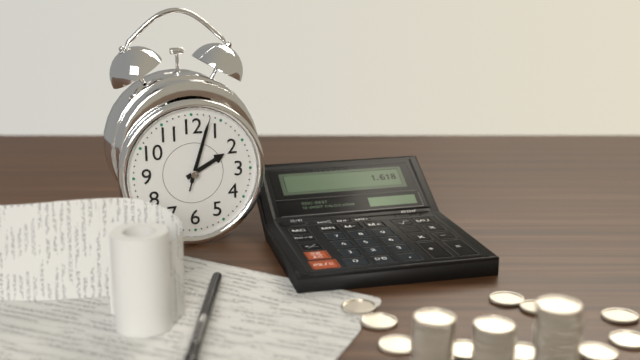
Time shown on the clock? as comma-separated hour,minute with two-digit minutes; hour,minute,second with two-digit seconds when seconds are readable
2,03,03
